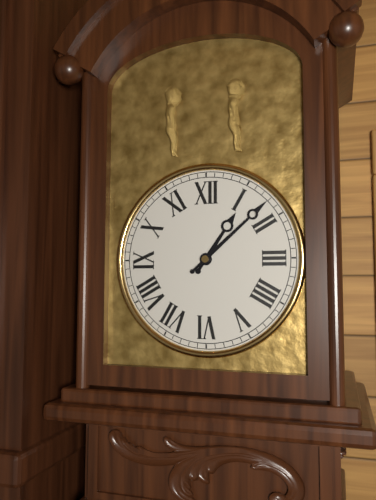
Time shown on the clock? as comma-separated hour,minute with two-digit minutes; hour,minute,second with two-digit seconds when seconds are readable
1,08
